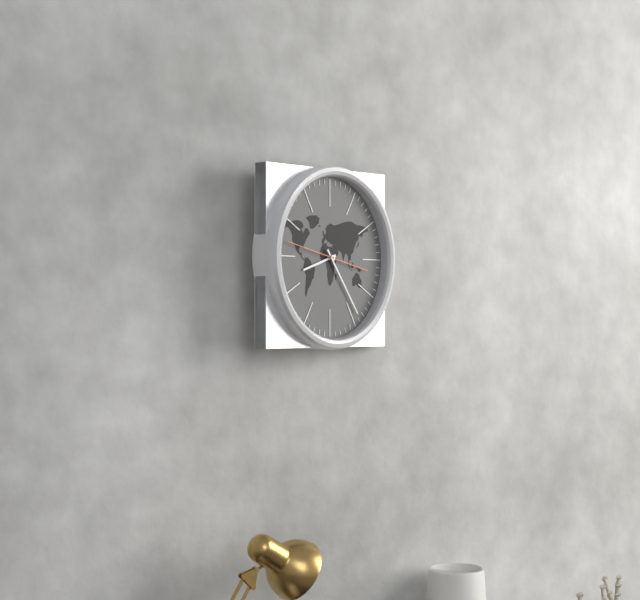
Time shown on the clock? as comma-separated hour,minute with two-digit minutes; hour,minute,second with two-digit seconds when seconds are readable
8,24,47
